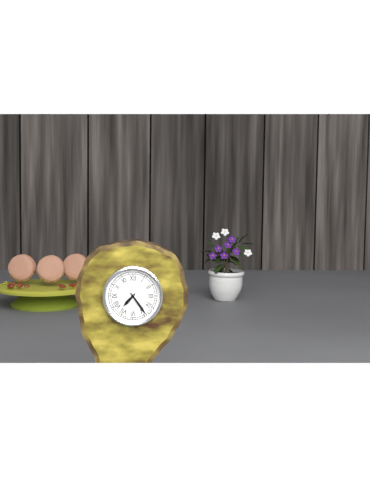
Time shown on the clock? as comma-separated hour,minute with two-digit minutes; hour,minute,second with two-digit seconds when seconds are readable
7,24
